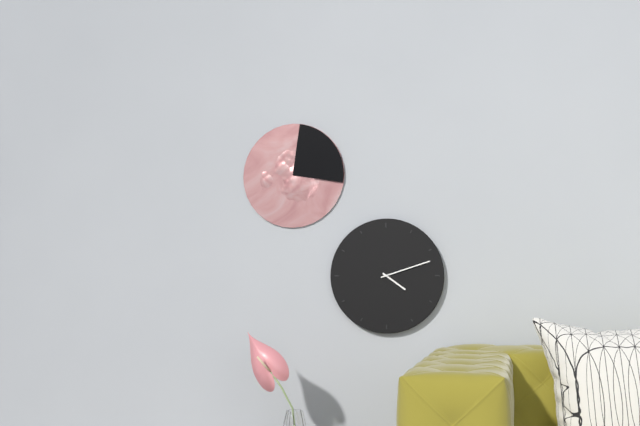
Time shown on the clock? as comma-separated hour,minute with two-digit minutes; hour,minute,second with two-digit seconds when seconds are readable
4,12
